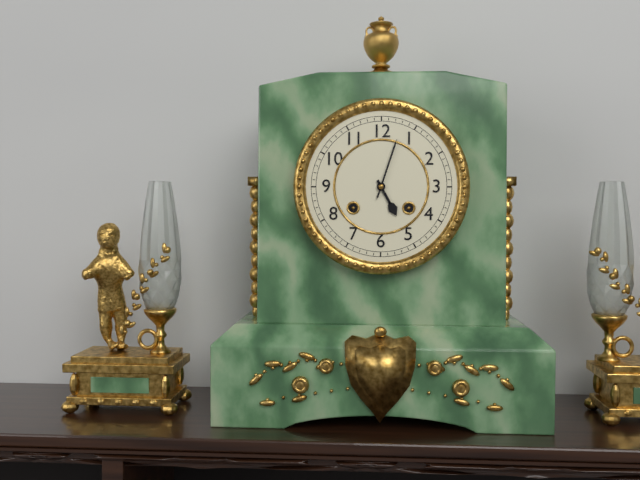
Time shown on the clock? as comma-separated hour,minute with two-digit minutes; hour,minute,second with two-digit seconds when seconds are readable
5,03
